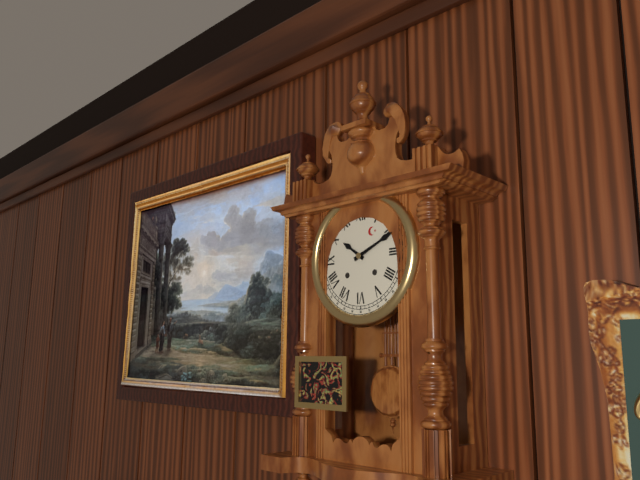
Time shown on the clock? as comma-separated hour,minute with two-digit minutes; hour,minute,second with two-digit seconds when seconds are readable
10,11
